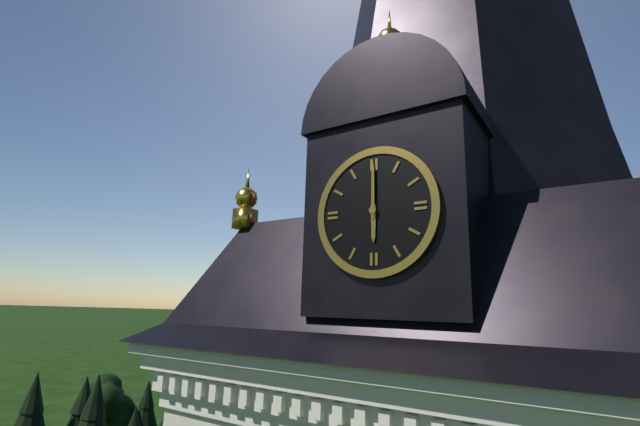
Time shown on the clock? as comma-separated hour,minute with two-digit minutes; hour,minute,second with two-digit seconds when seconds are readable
6,00
